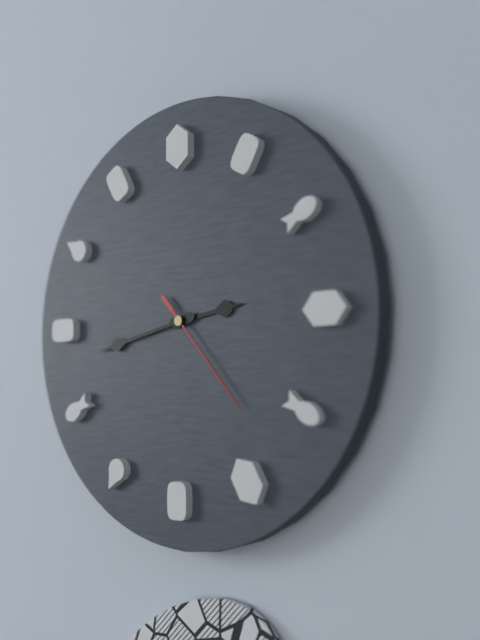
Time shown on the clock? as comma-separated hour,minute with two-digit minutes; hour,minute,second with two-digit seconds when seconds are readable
2,43,23
